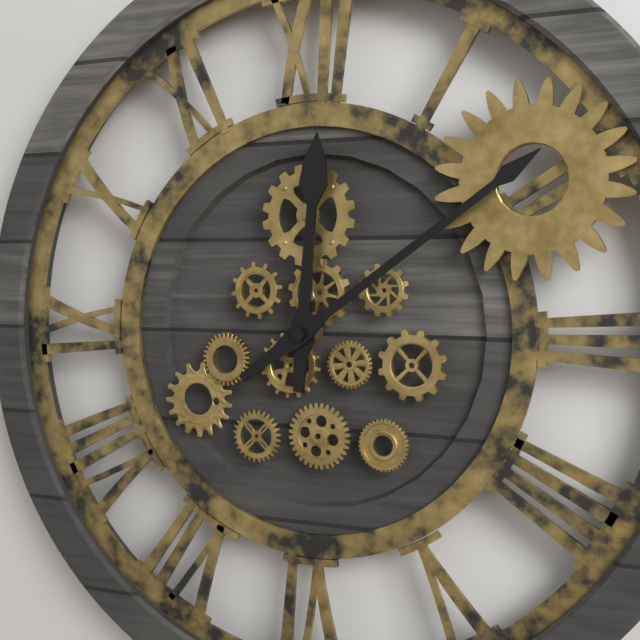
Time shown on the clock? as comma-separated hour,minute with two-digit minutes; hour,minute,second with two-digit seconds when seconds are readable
12,09
